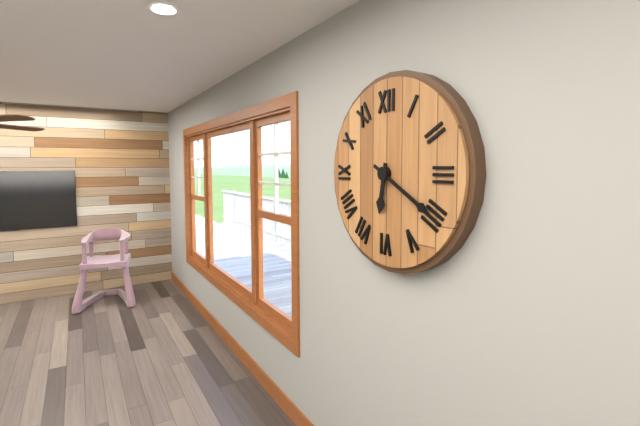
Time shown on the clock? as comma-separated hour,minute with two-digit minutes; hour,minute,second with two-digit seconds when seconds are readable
6,20
